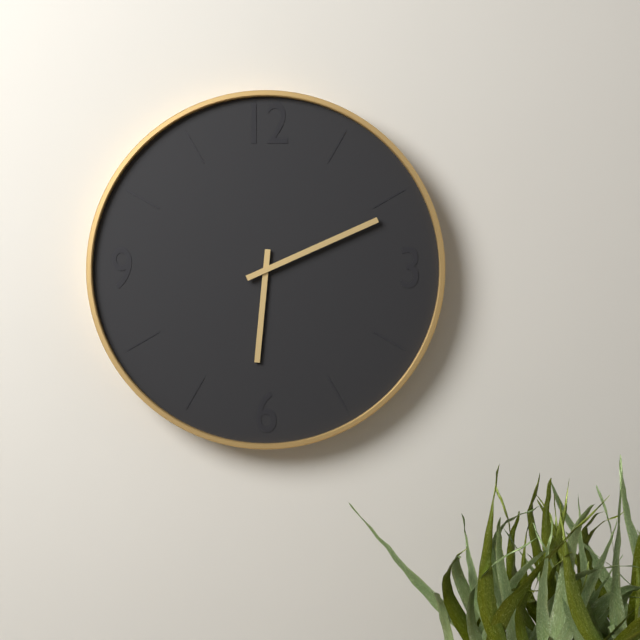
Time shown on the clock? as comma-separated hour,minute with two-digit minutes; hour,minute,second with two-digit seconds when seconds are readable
6,11
